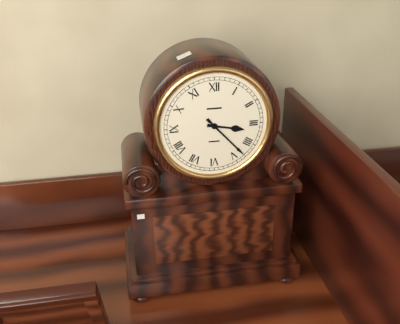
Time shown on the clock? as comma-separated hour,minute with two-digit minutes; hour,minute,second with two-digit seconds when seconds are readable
3,23
